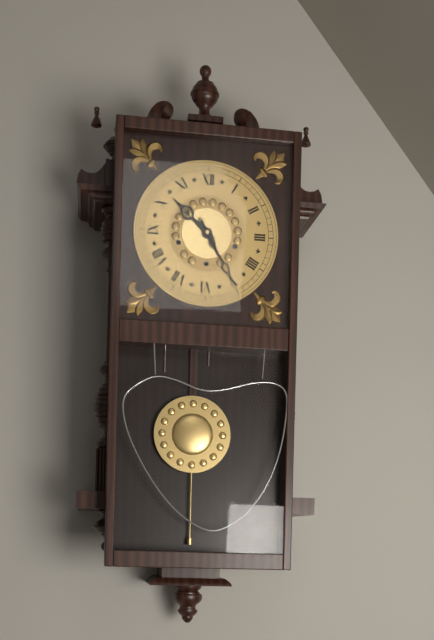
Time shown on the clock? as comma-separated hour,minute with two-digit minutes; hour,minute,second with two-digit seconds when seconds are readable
10,25
